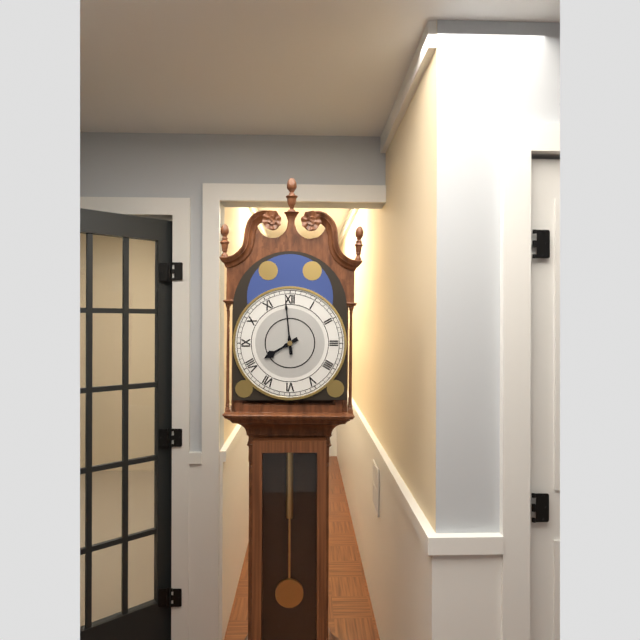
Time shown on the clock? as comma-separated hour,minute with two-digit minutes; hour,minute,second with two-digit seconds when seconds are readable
7,59
